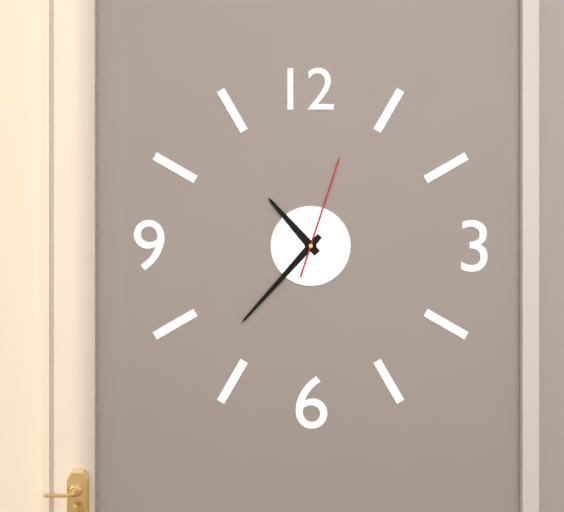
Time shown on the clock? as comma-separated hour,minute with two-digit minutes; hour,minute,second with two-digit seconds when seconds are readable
10,37,03
